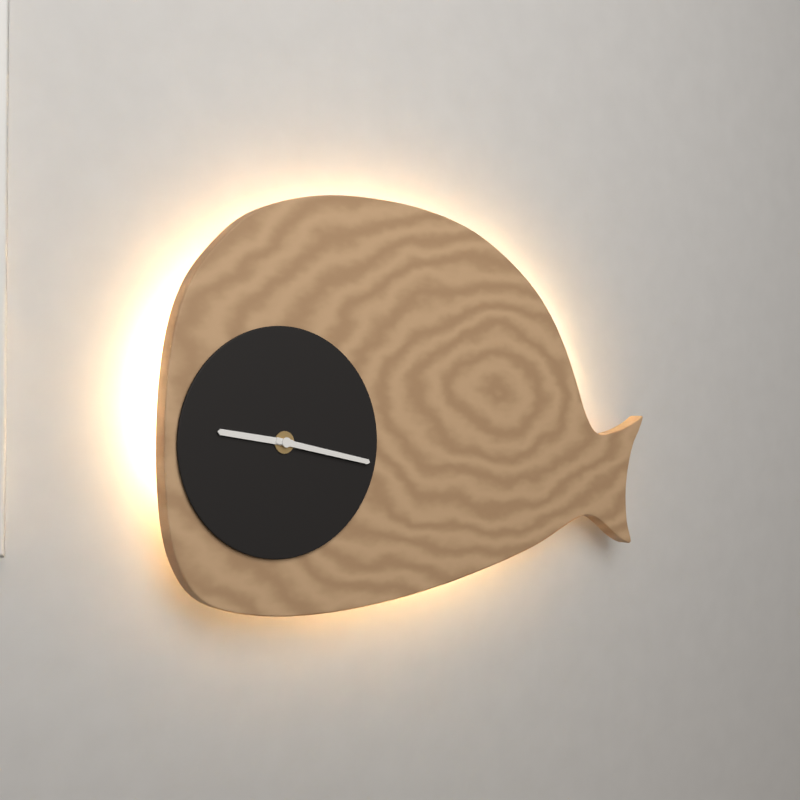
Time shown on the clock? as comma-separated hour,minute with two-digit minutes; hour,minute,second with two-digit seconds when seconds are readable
9,17
